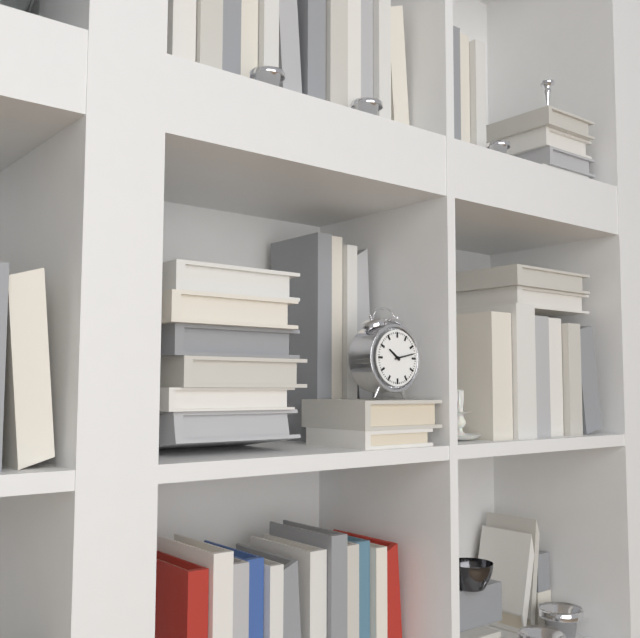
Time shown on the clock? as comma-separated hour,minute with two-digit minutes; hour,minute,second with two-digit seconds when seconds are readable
10,13
